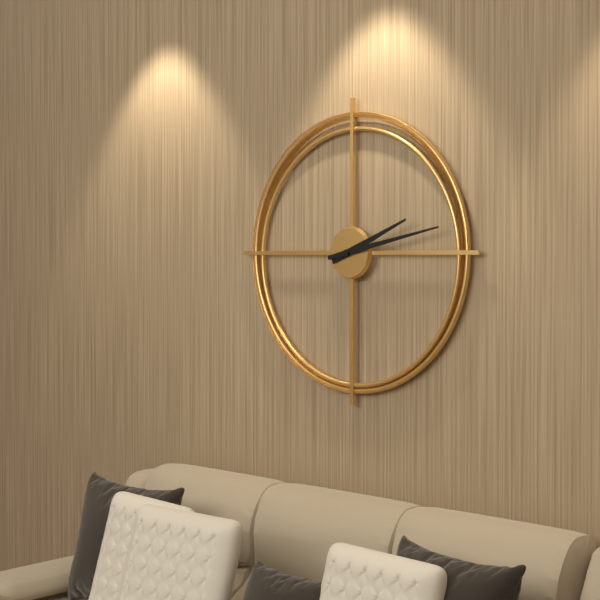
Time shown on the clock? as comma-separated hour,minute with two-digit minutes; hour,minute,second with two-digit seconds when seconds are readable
2,13
